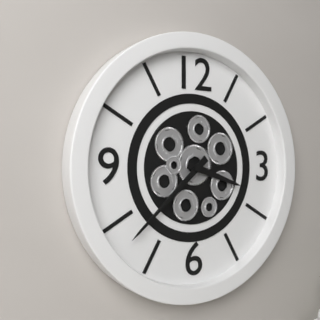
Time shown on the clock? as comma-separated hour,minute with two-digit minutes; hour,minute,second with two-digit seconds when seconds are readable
3,38
